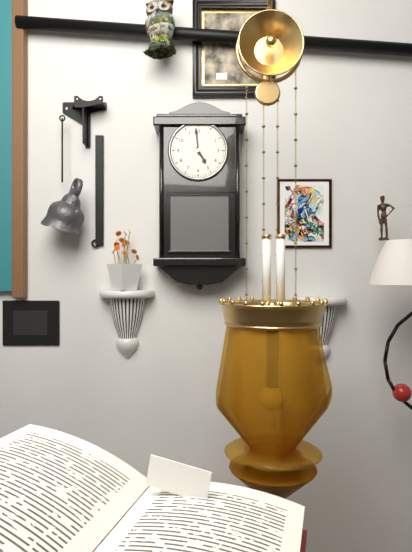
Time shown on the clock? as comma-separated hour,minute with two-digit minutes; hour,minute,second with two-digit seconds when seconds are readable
4,59
